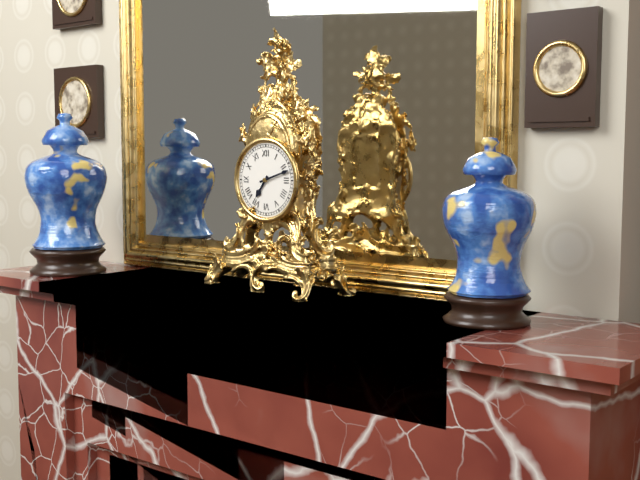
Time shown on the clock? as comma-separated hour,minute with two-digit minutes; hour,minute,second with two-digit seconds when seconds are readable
7,12
